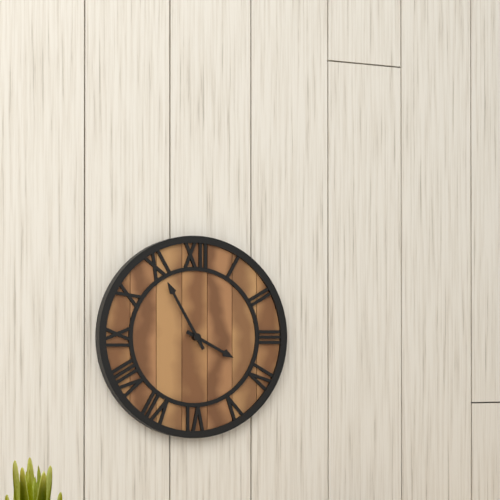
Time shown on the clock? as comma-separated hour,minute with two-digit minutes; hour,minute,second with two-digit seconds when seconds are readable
3,55
